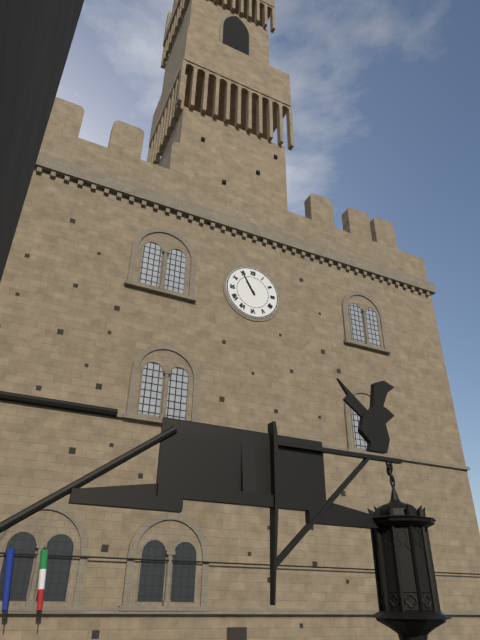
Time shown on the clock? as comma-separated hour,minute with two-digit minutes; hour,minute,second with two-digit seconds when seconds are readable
10,55
